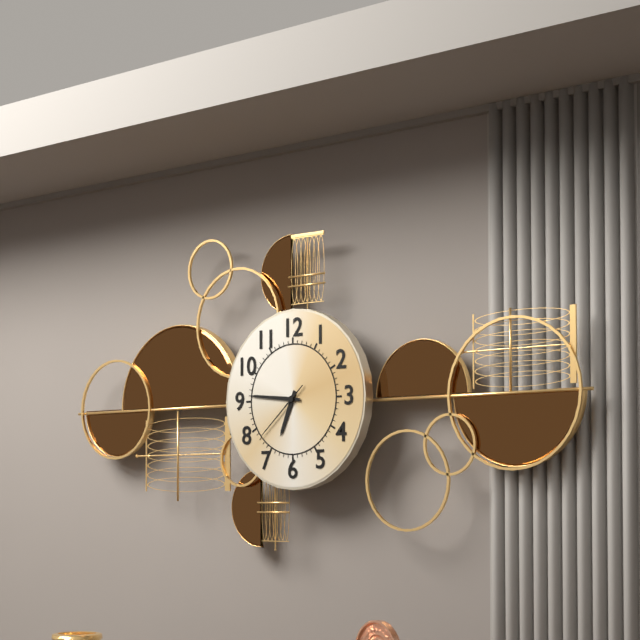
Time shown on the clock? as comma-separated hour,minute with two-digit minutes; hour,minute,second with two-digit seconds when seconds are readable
6,46,38
